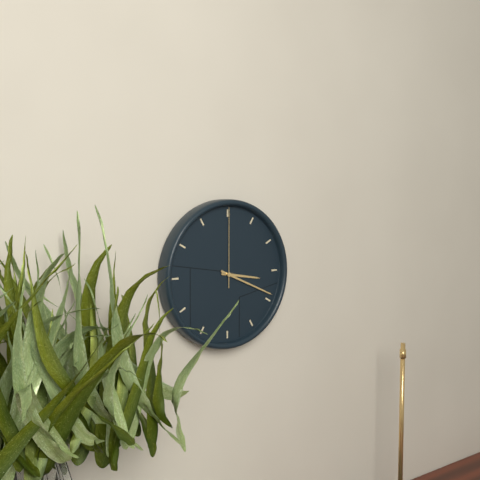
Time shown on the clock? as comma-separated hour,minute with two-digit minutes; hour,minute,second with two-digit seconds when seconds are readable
3,19,00
